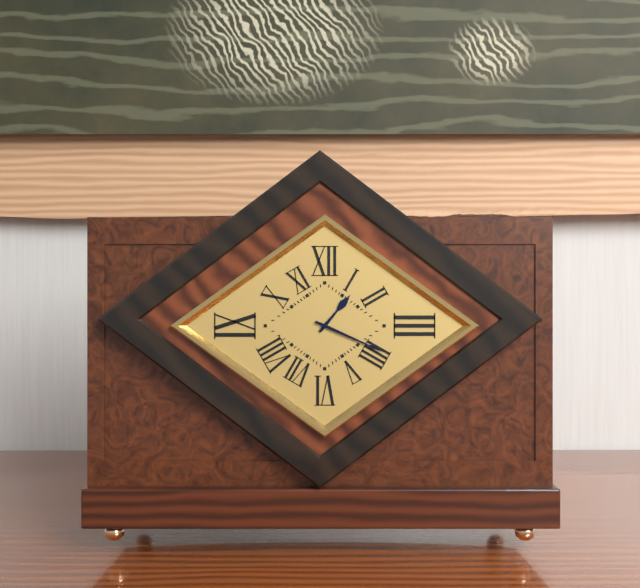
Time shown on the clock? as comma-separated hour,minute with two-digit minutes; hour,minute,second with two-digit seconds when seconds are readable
1,19
